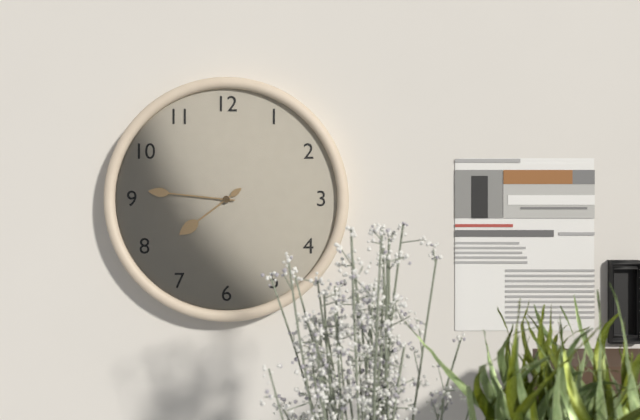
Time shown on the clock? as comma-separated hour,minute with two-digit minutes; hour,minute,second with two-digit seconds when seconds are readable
7,46
